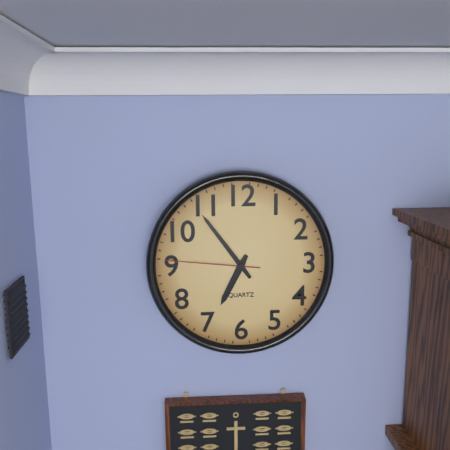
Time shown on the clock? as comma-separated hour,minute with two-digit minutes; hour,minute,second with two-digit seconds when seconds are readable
6,54,46
